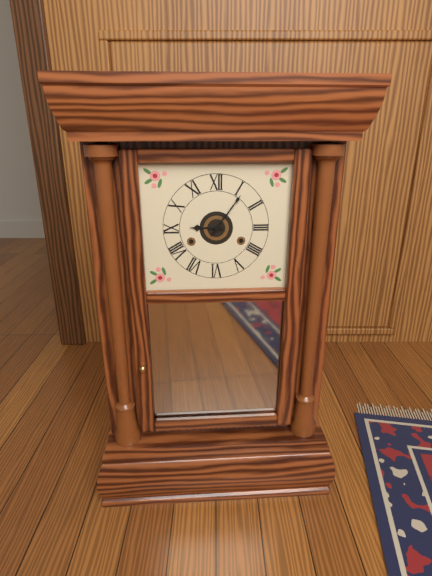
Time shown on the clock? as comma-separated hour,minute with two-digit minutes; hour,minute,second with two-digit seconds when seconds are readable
9,06
